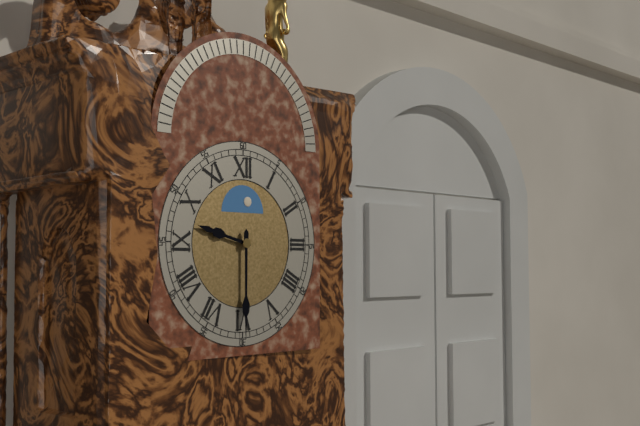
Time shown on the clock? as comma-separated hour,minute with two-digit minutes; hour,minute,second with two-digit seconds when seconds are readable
9,30
